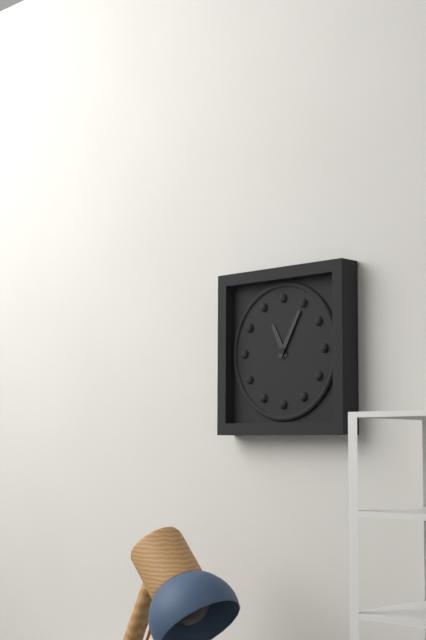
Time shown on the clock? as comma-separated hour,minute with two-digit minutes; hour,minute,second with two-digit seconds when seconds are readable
11,05
